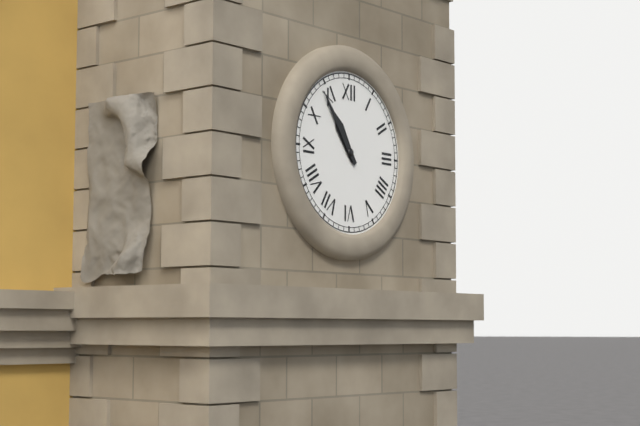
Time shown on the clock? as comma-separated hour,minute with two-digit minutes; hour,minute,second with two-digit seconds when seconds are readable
10,54
